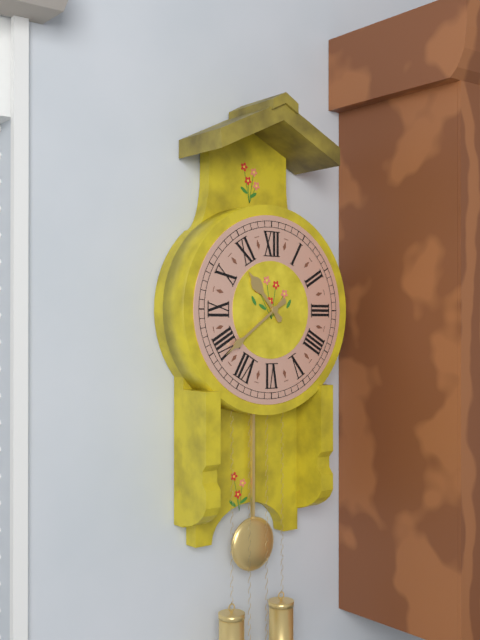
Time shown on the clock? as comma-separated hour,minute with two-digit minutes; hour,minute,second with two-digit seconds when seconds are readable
10,39
